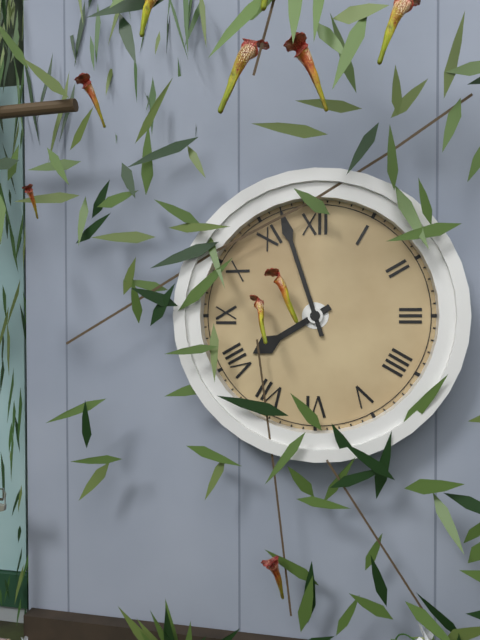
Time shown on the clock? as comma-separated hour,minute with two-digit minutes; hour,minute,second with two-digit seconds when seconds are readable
7,57
